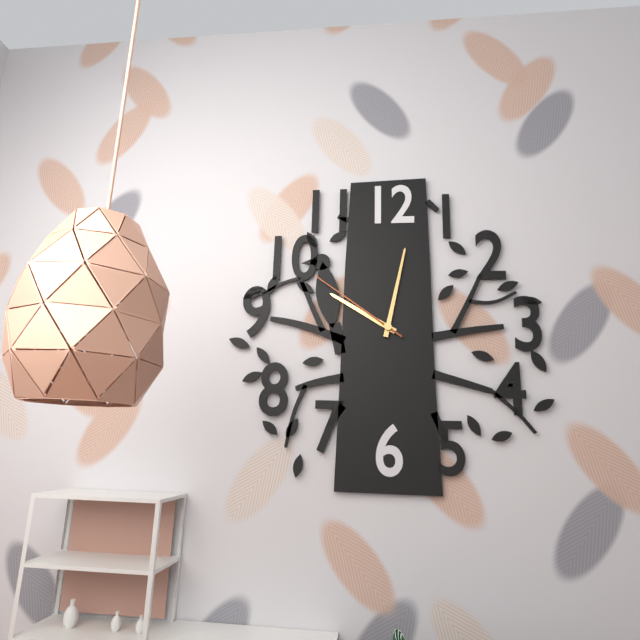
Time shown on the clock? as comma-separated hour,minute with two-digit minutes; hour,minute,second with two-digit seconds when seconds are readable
10,02,51
